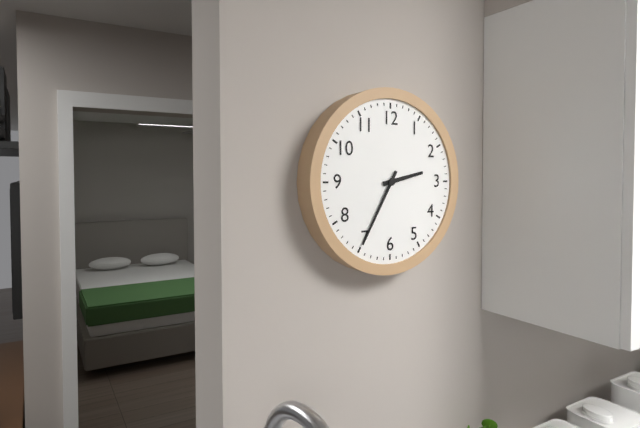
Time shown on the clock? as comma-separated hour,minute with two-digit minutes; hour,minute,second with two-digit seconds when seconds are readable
2,35
